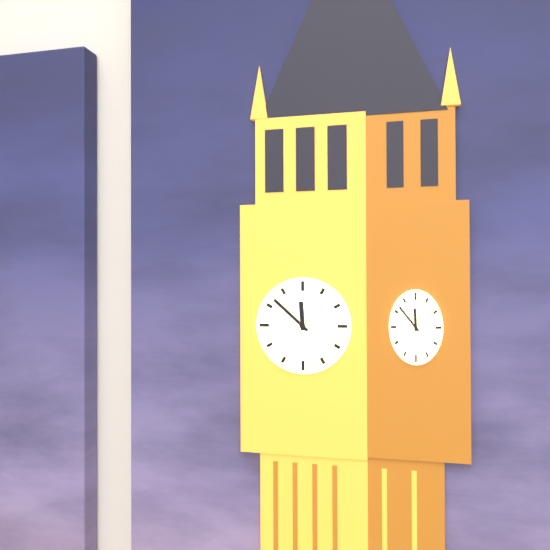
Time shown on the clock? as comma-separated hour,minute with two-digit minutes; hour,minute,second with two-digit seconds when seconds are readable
11,52
